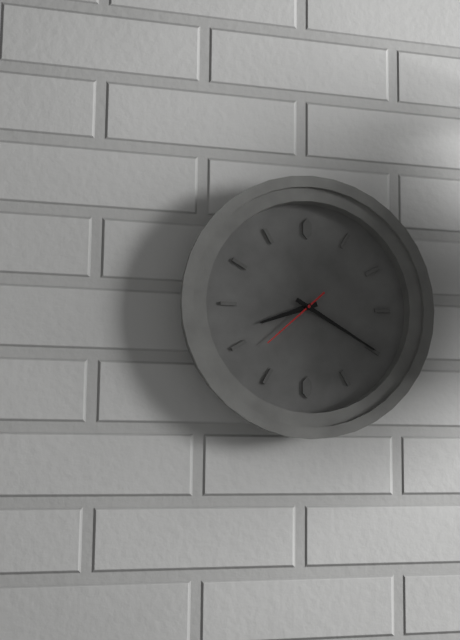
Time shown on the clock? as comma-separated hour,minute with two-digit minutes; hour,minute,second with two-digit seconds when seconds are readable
8,20,38
